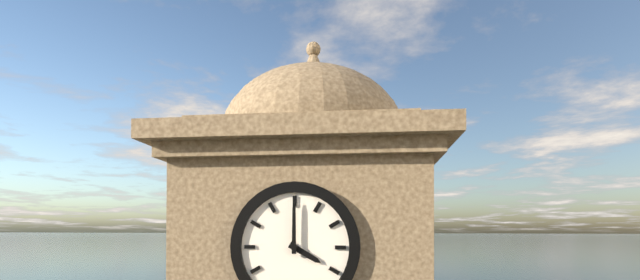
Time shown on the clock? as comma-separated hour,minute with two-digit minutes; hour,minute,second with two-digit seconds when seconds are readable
4,00
